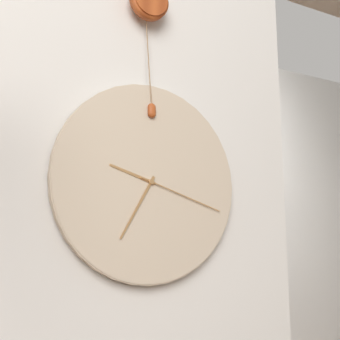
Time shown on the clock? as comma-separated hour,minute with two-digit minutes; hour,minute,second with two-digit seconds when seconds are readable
9,35,18
